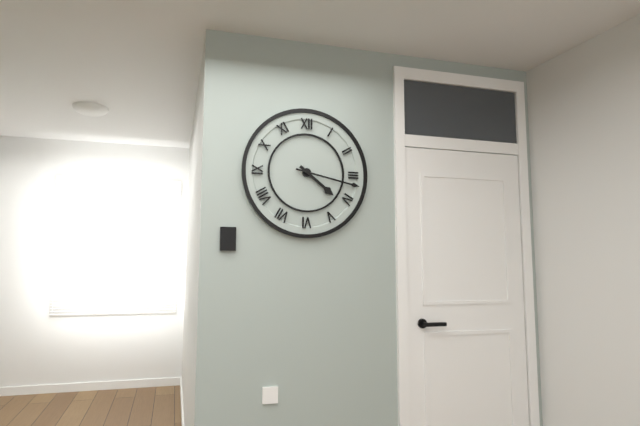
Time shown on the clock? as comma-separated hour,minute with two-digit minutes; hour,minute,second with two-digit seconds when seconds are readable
4,17
